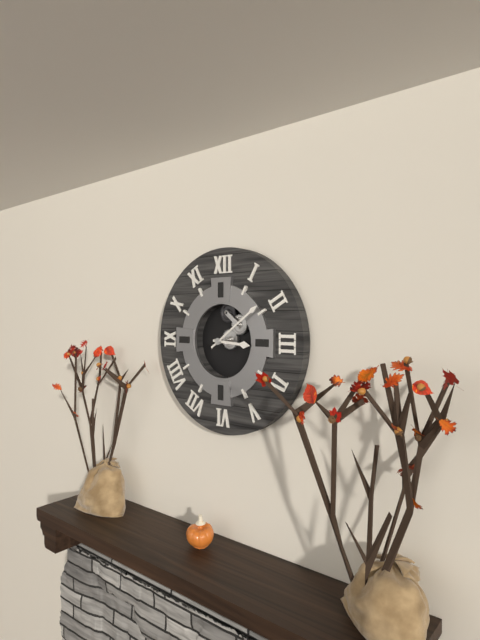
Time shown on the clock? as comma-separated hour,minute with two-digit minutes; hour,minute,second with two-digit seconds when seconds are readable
3,09
